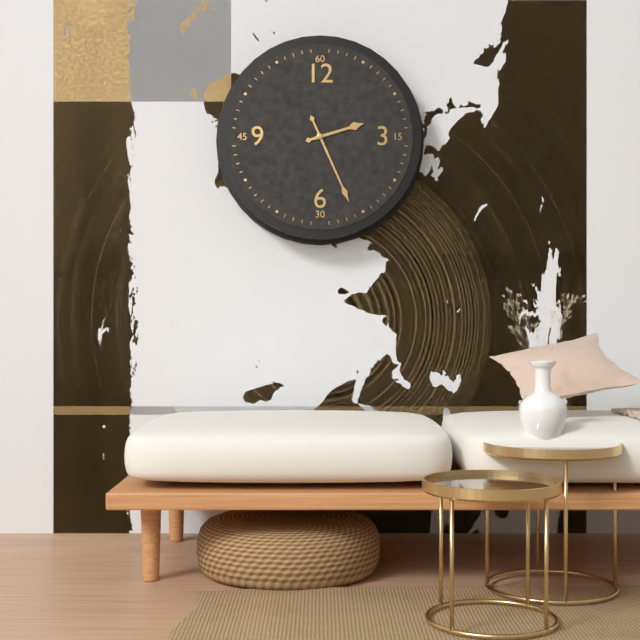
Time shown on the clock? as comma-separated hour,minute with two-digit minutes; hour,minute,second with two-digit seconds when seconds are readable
2,26
